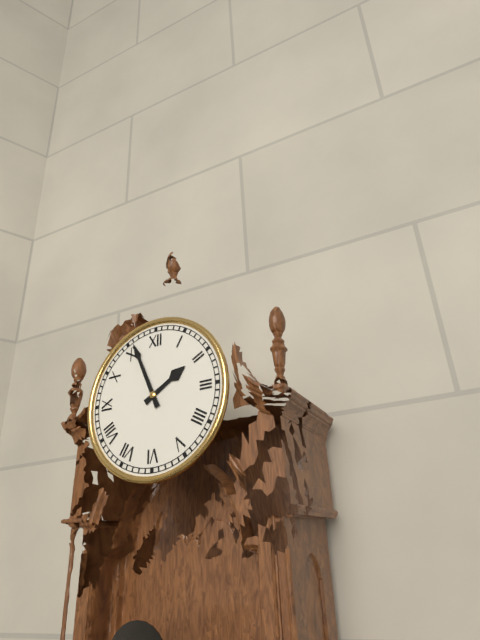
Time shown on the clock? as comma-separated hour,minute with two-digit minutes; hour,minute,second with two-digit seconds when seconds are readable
1,56
